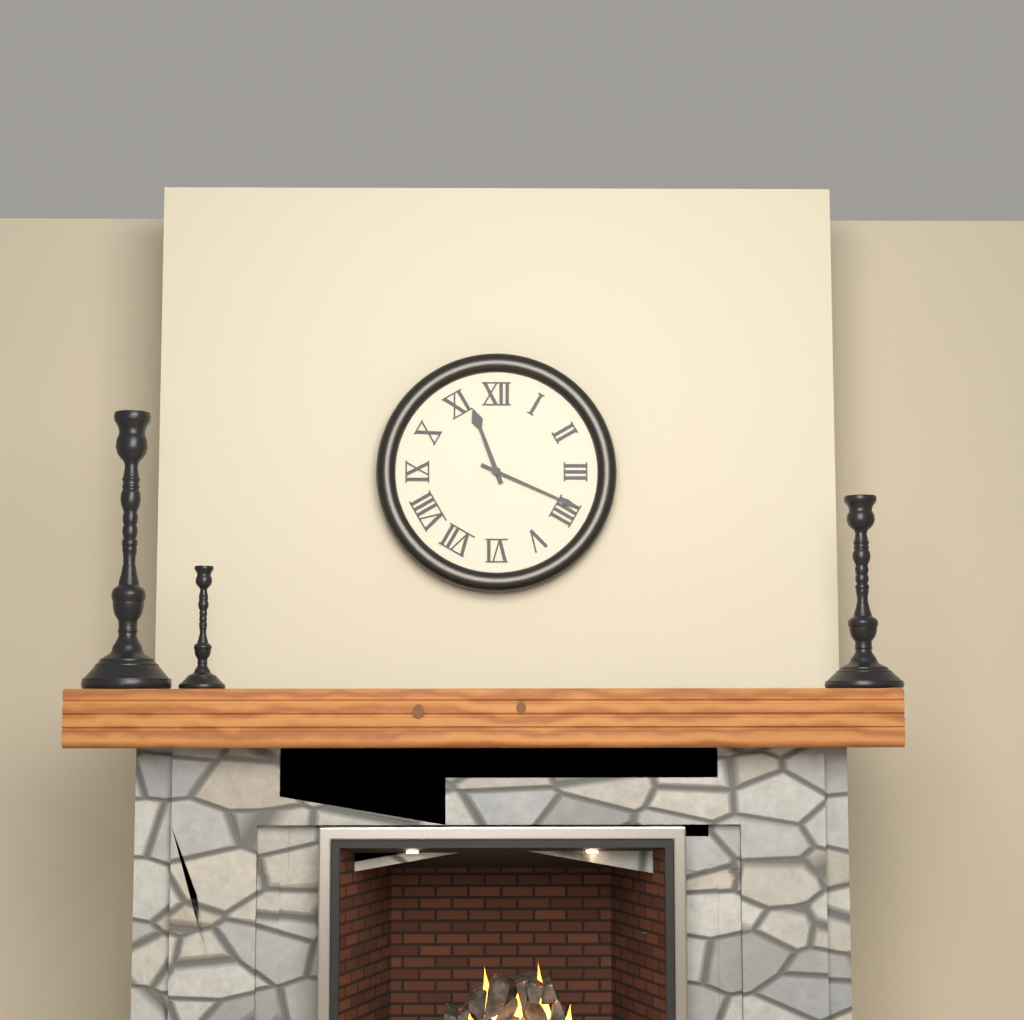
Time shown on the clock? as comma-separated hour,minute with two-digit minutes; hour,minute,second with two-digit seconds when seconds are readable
11,19
